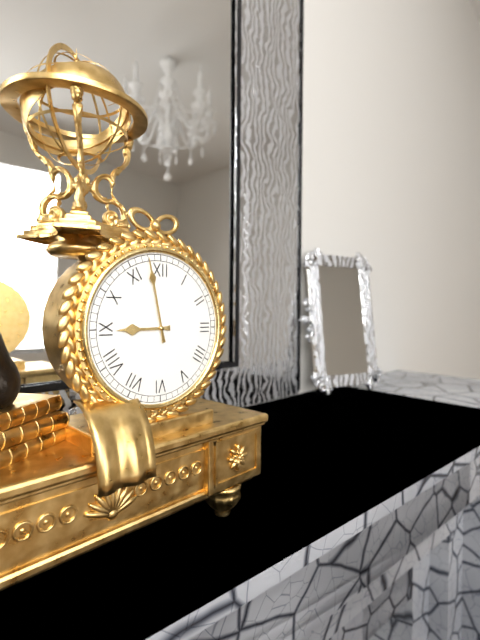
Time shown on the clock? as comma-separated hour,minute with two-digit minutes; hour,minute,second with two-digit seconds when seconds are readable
8,58
